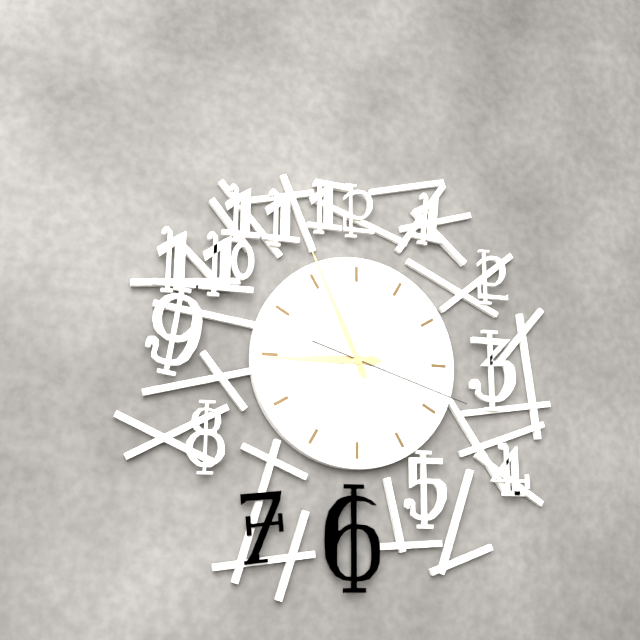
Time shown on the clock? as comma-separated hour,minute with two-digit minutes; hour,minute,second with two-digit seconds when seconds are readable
8,56,18
